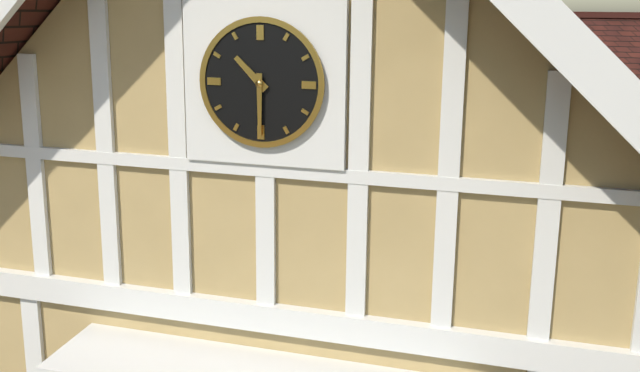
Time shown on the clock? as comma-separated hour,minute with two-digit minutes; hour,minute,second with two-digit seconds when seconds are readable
10,30
